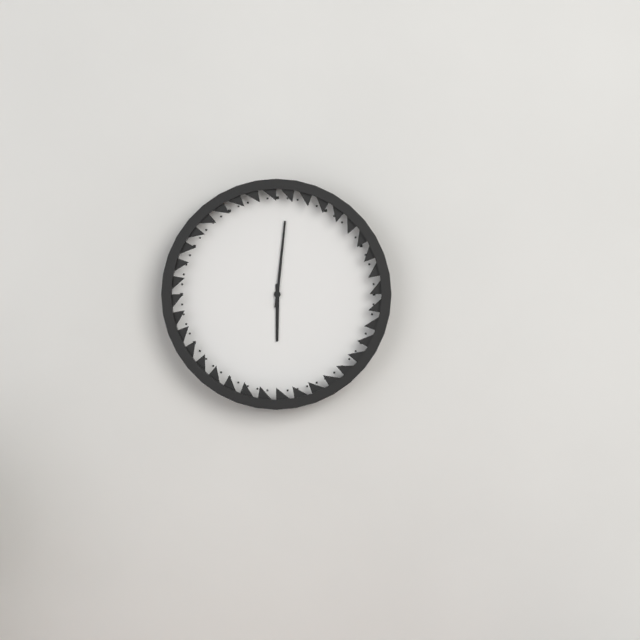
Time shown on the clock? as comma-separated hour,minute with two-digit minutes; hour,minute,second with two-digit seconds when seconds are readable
6,01
